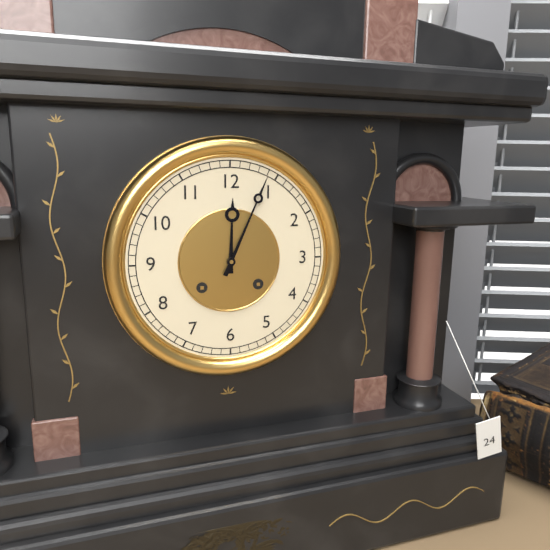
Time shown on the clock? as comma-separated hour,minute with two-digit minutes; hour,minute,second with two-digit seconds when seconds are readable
12,04
